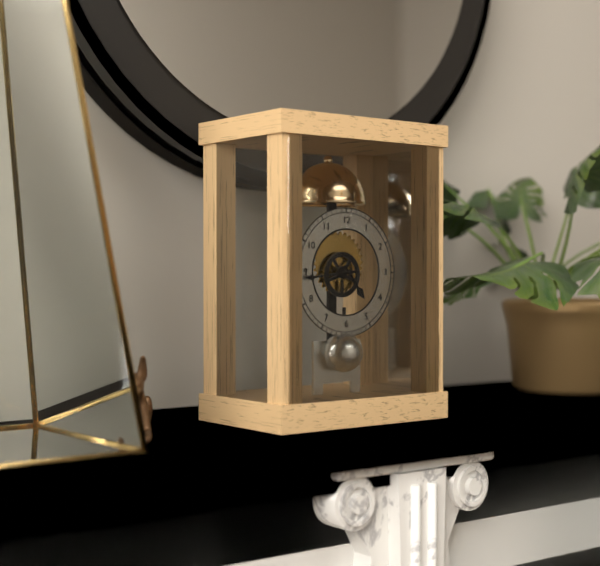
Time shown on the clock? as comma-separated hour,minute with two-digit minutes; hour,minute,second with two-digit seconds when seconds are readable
4,44
